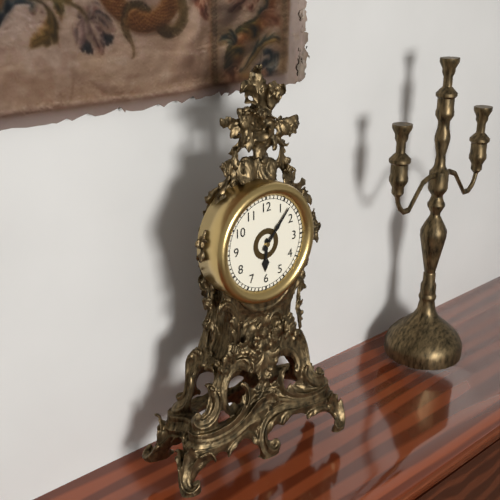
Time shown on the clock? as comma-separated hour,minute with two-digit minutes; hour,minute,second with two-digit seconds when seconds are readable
6,07
